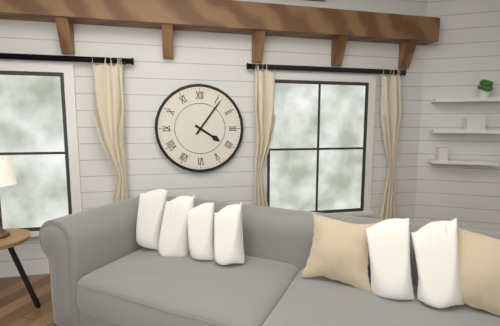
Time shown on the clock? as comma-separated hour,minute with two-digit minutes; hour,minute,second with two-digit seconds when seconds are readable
4,06
